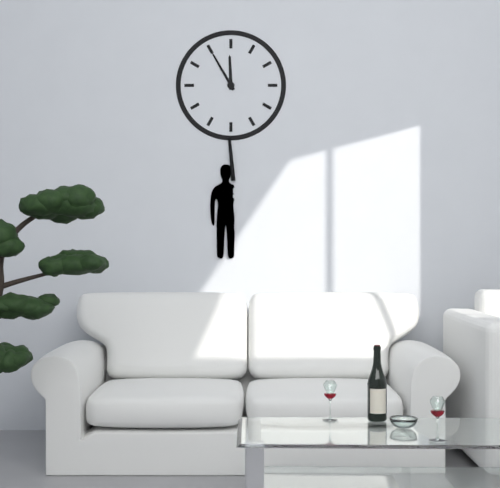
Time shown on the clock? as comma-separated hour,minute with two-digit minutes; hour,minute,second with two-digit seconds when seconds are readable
11,55
